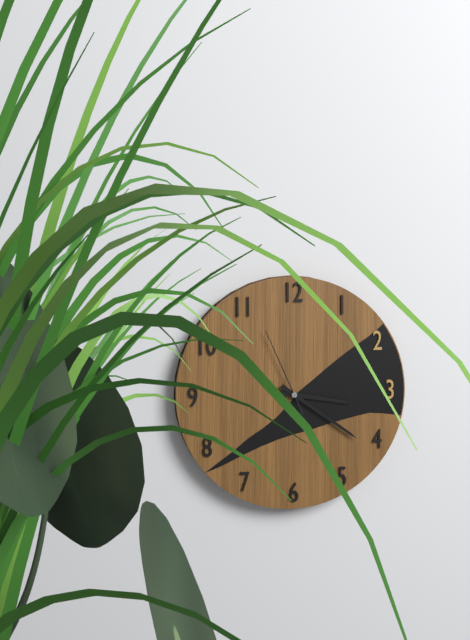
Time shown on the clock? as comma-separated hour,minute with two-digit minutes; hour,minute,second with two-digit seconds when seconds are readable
3,21,56
